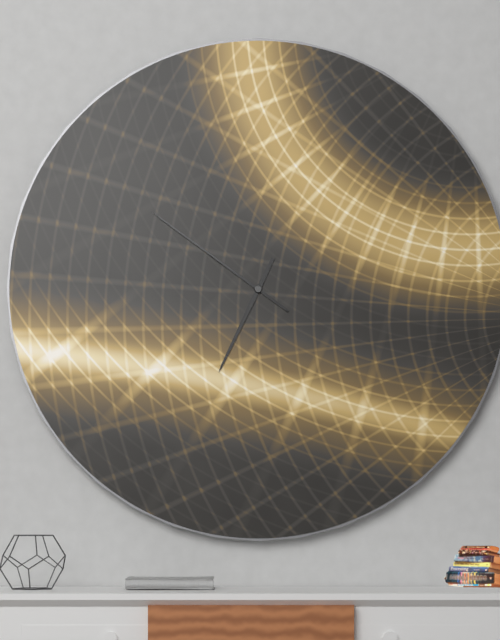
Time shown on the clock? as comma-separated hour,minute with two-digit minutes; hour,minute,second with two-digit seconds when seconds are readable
6,51
